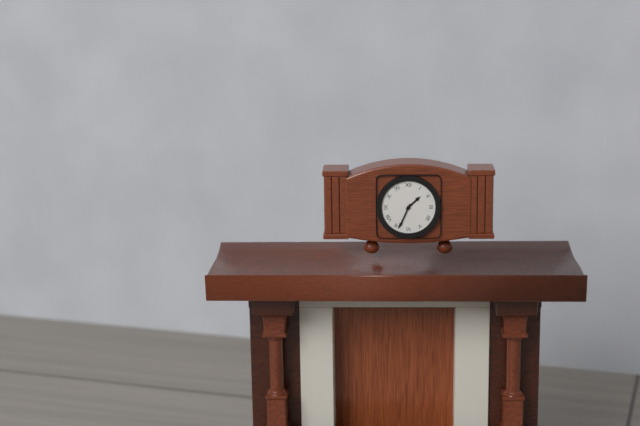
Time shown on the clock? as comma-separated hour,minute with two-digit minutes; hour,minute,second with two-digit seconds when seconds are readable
1,34
